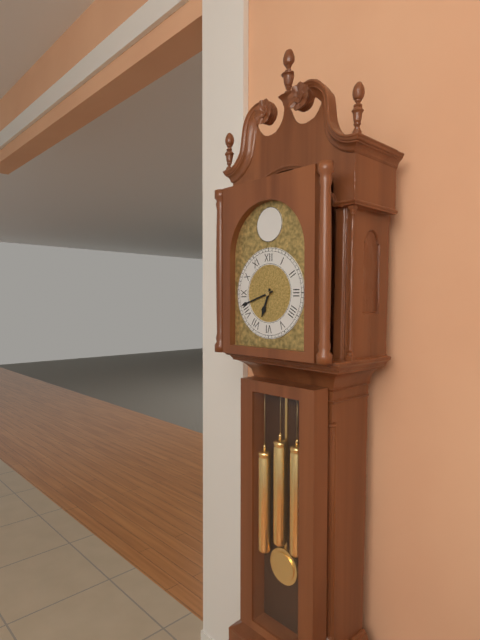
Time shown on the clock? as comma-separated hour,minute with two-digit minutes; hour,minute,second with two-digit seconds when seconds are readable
6,42
